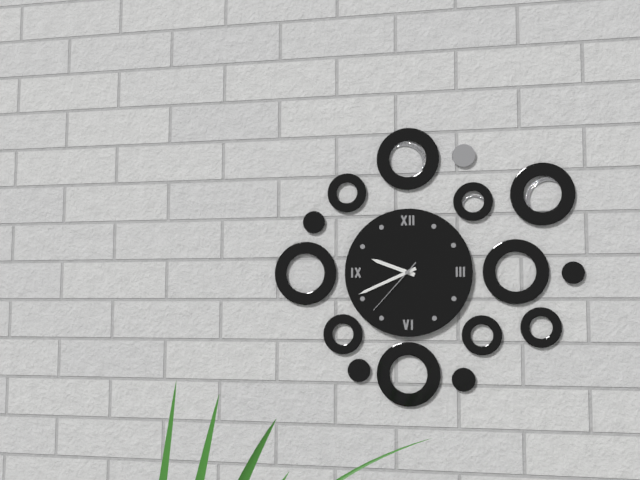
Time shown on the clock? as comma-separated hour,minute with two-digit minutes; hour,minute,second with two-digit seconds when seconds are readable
9,41,37
